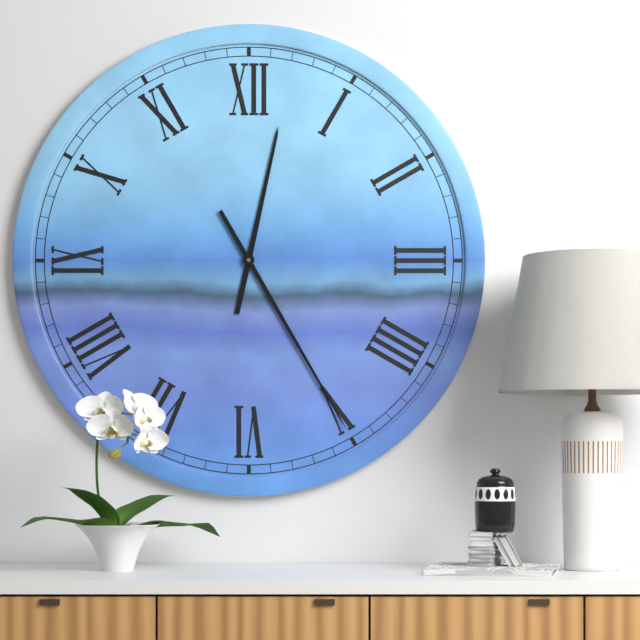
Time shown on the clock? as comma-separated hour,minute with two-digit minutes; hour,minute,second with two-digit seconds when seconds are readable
12,25
